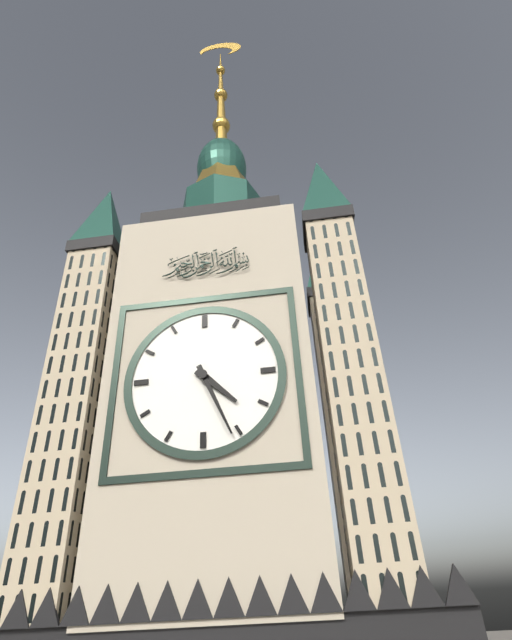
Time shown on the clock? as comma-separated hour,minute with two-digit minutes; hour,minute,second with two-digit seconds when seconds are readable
4,26
